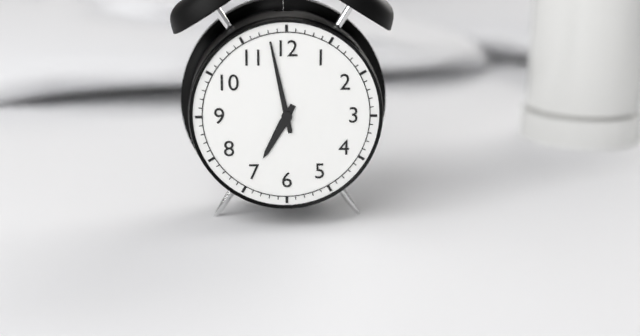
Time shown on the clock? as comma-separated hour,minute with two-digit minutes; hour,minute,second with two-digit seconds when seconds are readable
6,58
